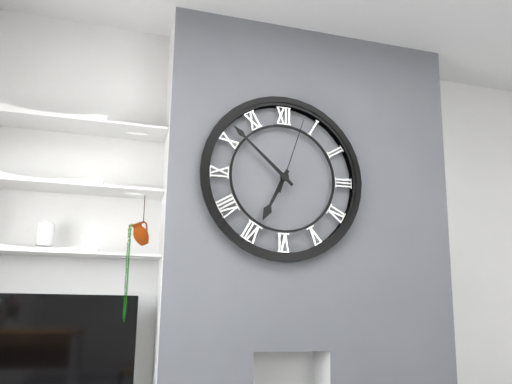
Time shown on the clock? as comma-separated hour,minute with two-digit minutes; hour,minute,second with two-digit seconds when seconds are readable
6,52,03
